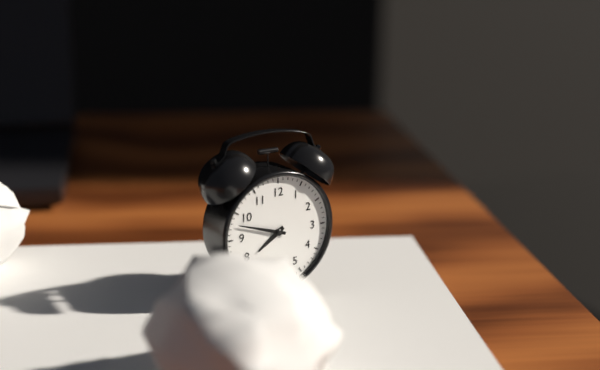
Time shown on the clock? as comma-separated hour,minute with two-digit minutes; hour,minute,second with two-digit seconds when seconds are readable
7,48
